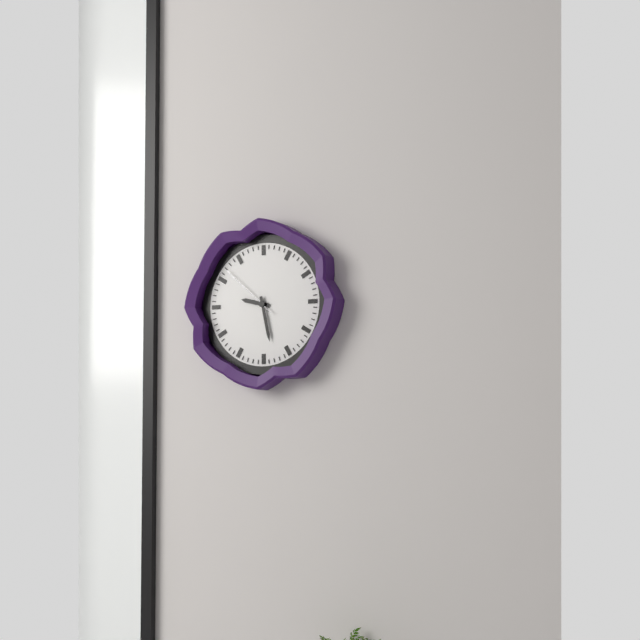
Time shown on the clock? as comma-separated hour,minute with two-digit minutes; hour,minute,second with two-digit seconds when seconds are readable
9,28,52
